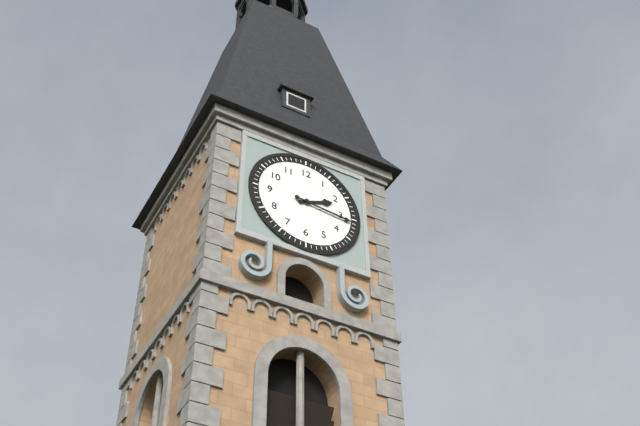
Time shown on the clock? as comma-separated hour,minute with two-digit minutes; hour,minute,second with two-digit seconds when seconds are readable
2,16
